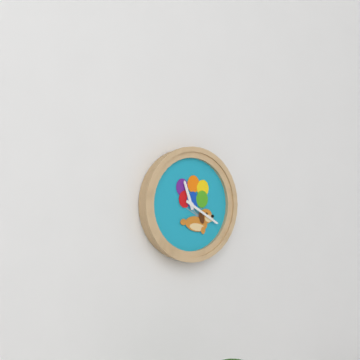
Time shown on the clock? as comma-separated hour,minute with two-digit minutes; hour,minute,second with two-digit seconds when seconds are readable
11,20
